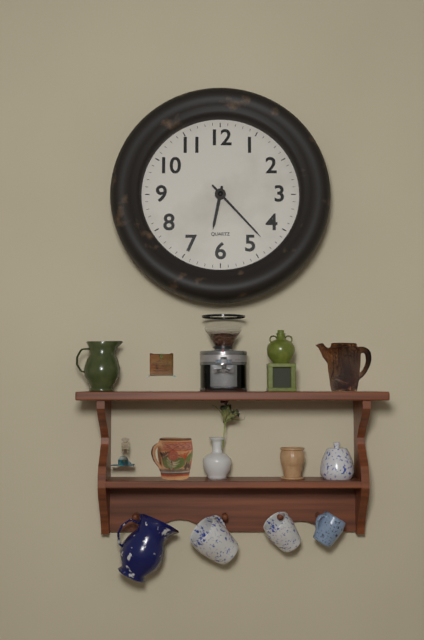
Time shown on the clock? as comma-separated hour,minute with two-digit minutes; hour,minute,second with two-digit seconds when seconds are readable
6,23
